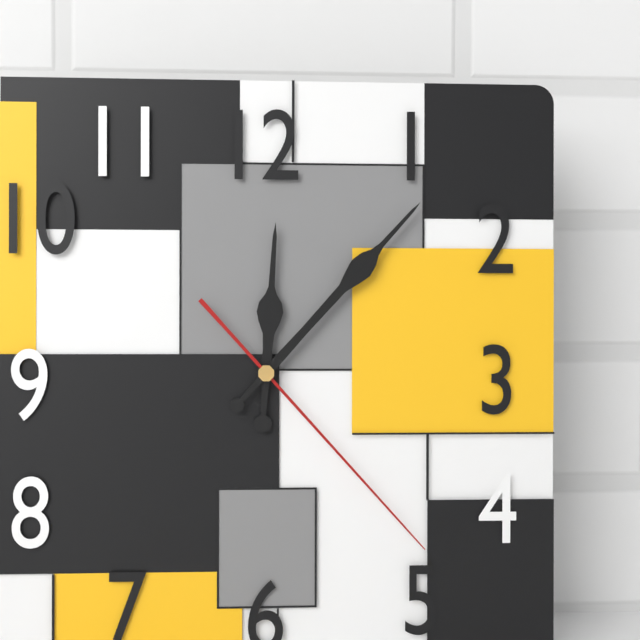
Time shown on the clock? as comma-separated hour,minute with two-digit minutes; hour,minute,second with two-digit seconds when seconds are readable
12,07,23
